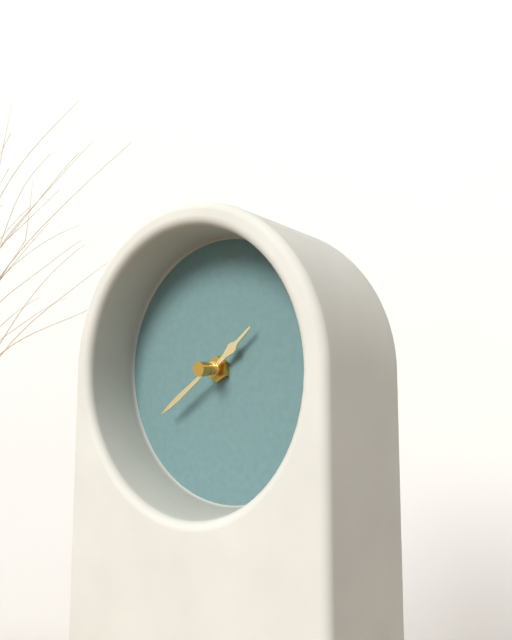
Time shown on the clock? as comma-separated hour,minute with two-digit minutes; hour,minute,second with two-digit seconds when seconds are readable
1,39
